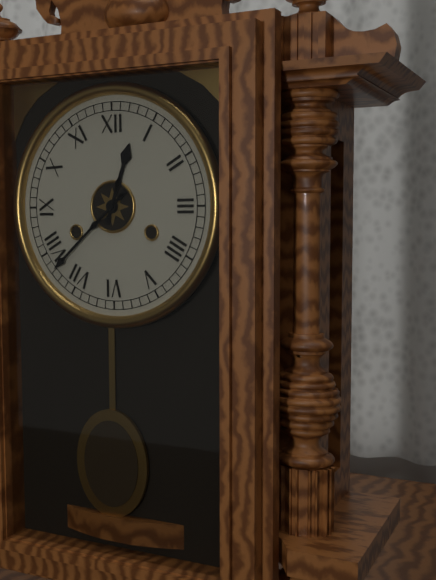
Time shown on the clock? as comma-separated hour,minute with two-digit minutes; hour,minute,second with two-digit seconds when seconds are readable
12,38
